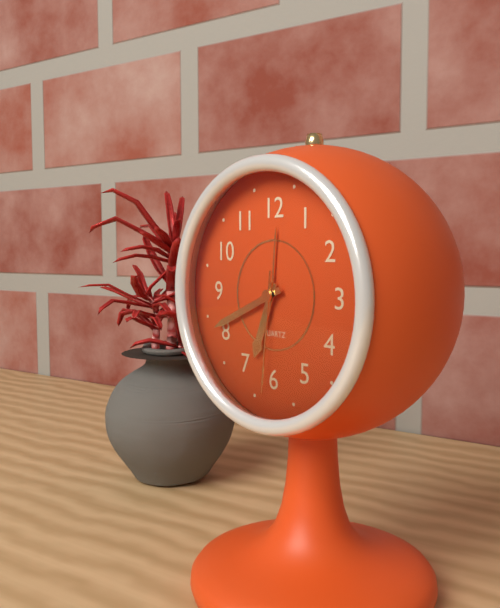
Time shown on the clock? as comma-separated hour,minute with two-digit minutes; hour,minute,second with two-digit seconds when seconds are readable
6,41,31
